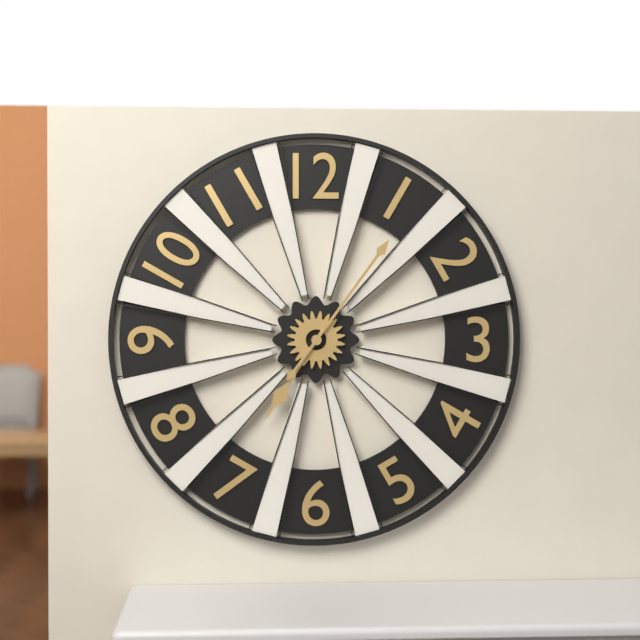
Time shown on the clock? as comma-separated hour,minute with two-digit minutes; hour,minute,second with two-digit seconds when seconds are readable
7,06
